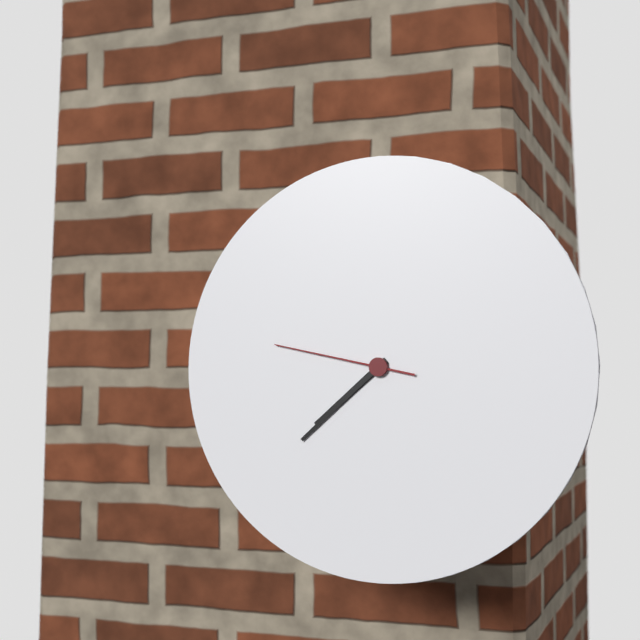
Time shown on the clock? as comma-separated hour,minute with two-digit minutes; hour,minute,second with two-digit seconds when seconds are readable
7,38,47
